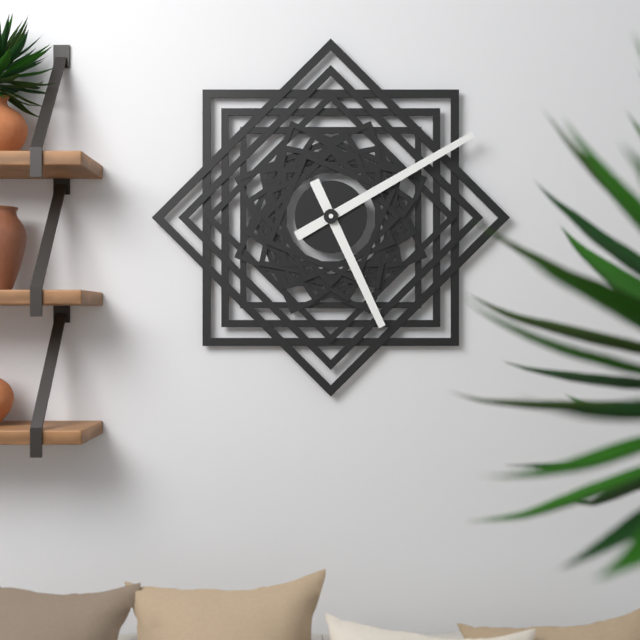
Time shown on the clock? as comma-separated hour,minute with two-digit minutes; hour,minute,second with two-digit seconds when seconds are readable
5,10
